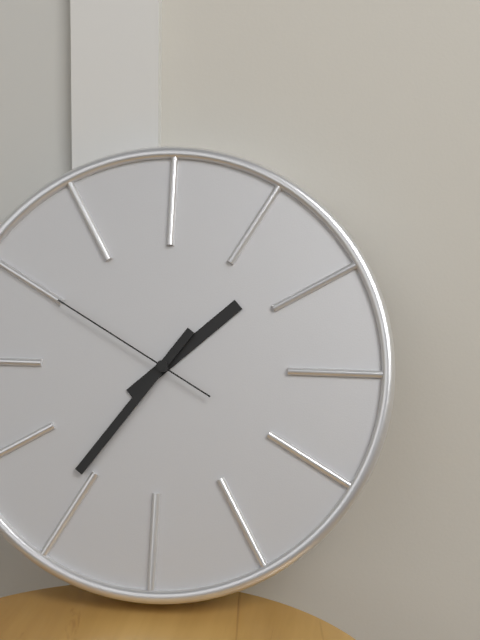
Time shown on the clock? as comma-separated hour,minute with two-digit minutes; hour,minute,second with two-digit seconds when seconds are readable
1,36,50
